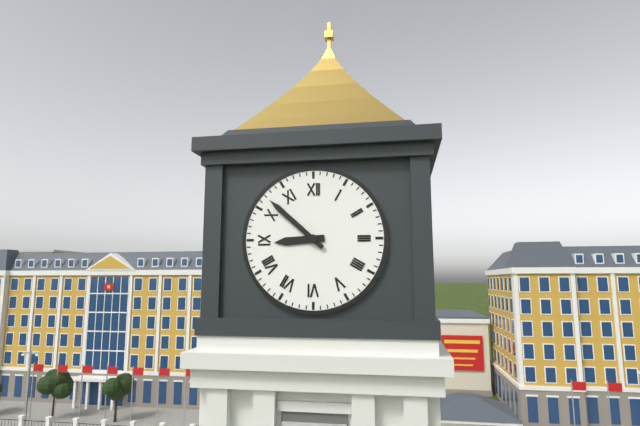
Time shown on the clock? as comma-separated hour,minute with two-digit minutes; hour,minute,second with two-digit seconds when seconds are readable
8,52
